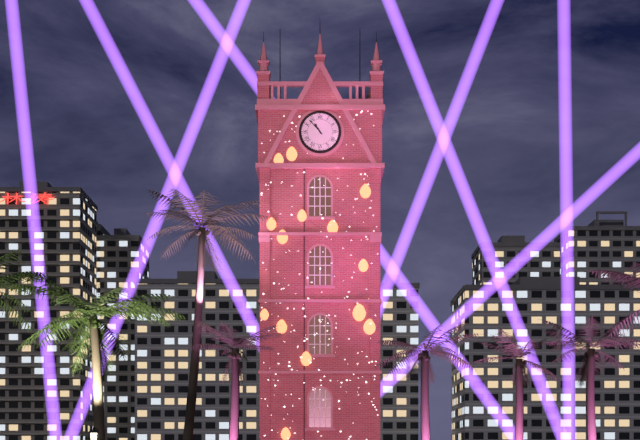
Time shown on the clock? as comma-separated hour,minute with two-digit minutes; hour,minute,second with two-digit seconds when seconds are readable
10,53
